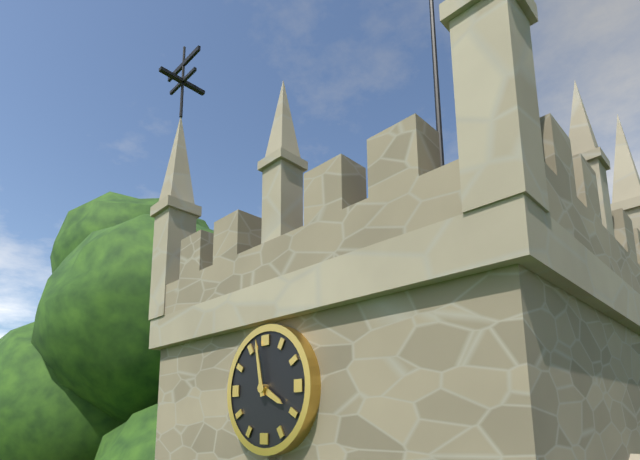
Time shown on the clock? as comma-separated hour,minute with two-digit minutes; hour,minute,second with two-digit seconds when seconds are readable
3,58
